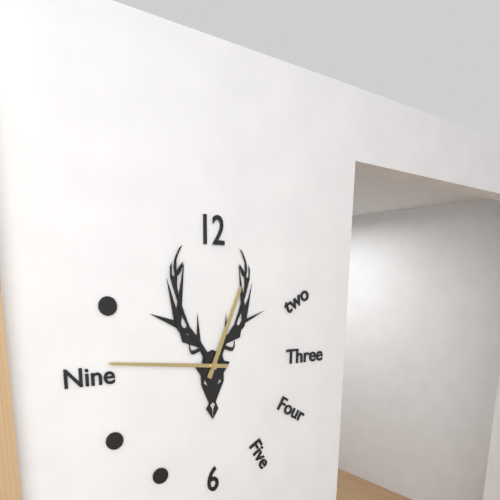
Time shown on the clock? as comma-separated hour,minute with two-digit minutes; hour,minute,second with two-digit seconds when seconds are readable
12,46
